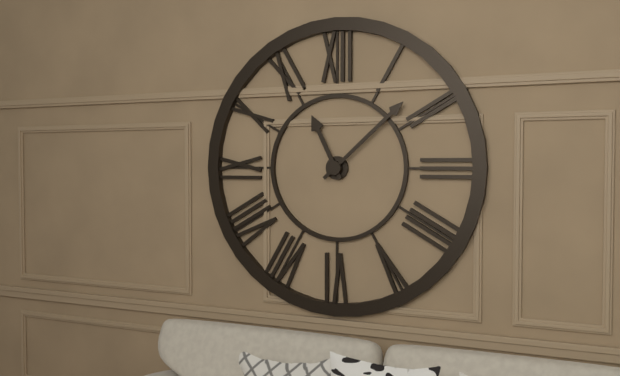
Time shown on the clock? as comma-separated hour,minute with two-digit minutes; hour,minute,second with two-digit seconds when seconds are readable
11,08
